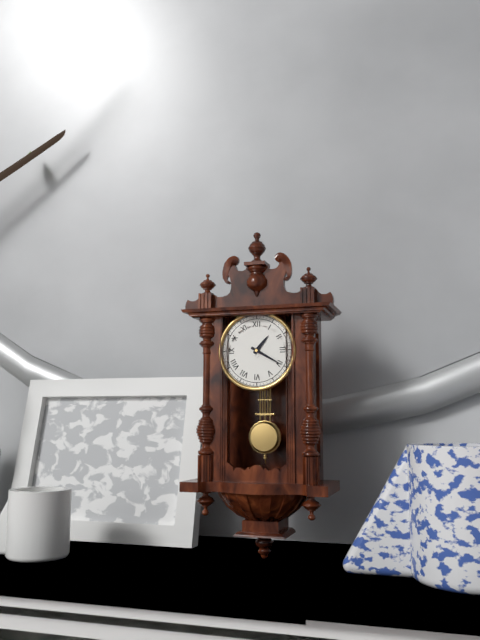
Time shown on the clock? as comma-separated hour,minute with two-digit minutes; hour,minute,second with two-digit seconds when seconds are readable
1,20
